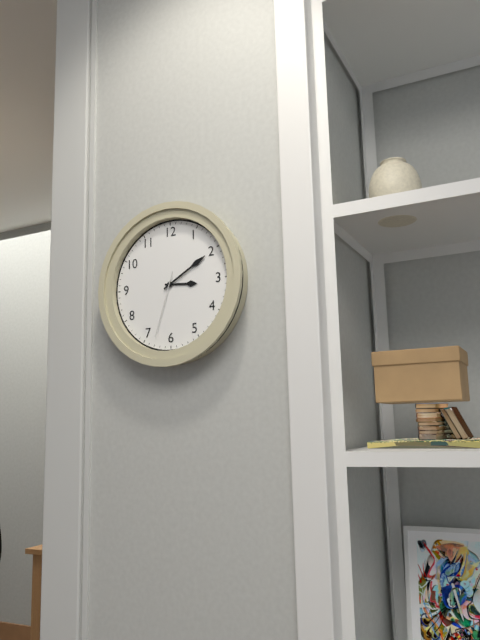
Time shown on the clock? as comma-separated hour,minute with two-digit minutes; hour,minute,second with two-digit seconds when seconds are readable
3,10,33
